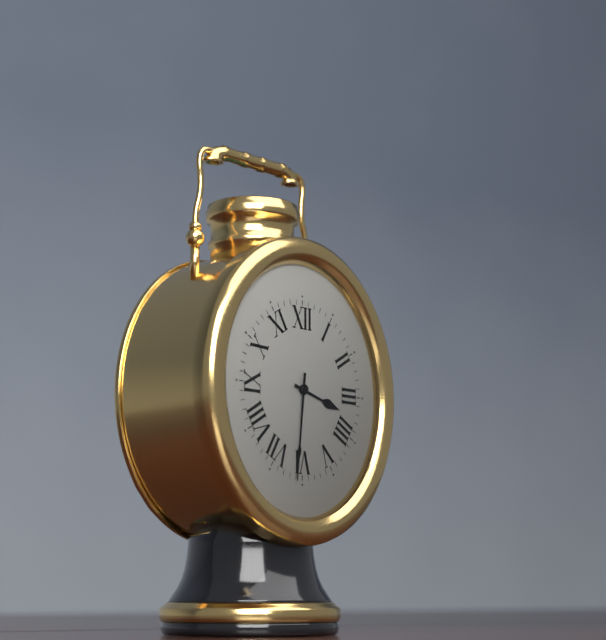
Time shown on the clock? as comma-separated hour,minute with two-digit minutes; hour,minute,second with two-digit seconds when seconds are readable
3,31
